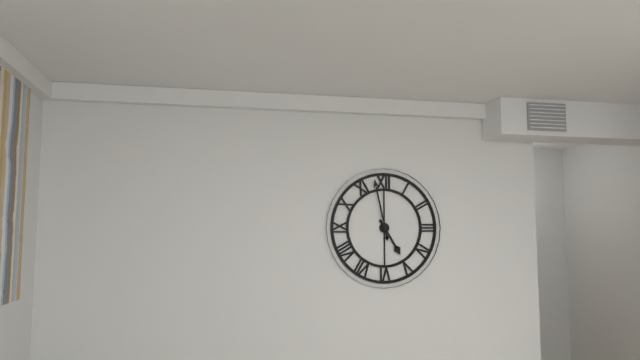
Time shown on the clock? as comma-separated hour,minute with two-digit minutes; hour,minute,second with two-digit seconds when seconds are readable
4,58
